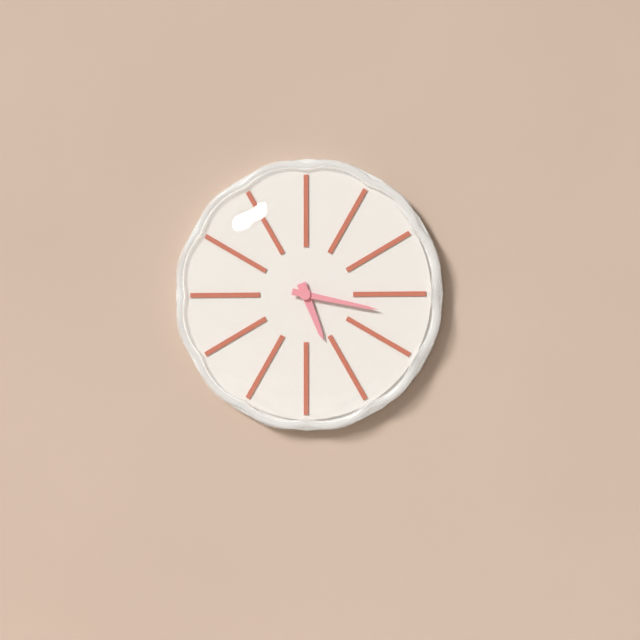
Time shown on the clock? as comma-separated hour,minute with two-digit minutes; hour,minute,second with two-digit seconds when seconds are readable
5,17
